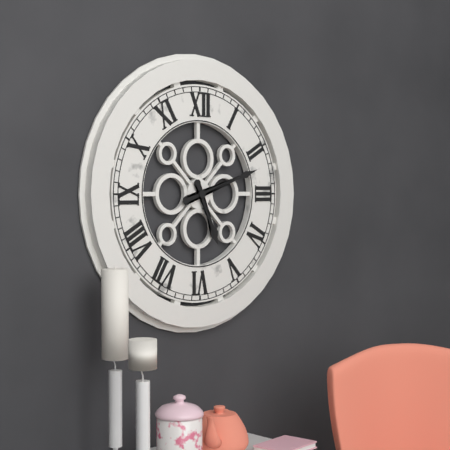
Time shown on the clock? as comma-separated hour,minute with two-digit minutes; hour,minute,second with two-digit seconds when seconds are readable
5,12
